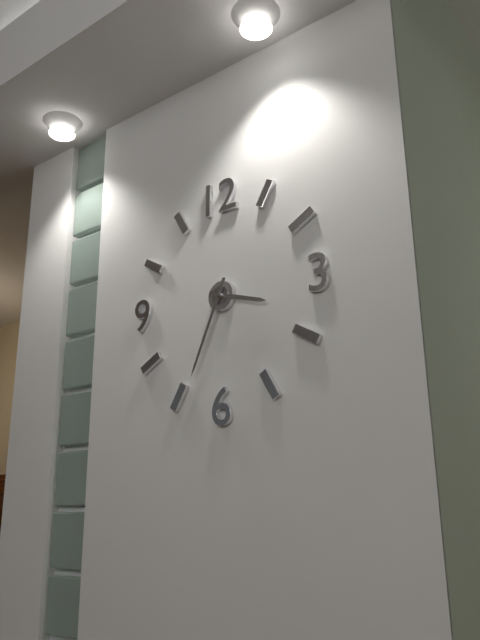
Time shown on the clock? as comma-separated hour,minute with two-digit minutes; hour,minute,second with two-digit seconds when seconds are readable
3,34
